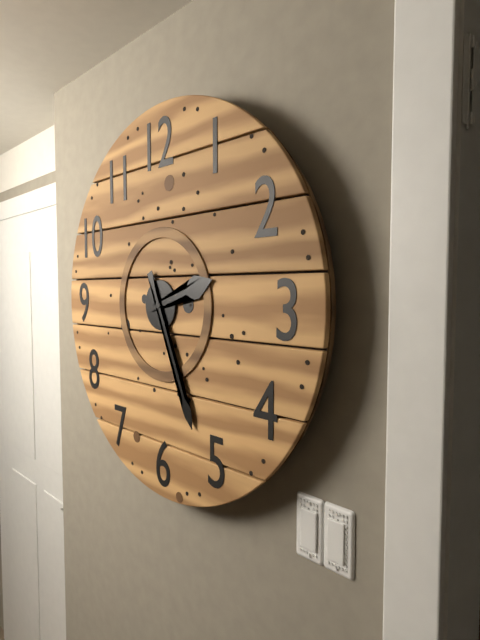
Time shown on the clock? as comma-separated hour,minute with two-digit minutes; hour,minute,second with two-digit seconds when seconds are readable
2,26
